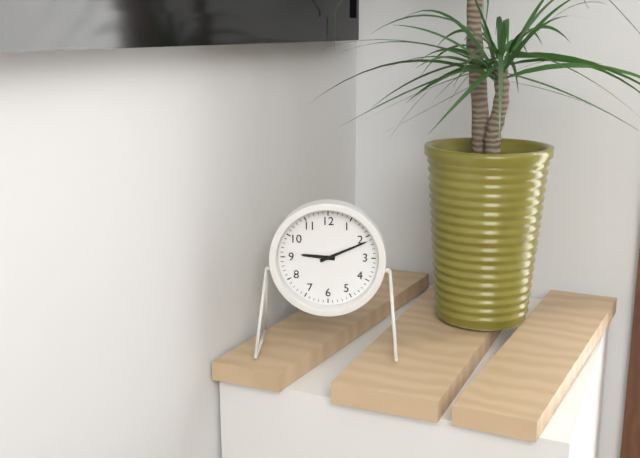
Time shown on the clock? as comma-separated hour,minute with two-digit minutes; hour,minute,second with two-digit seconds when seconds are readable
9,11
